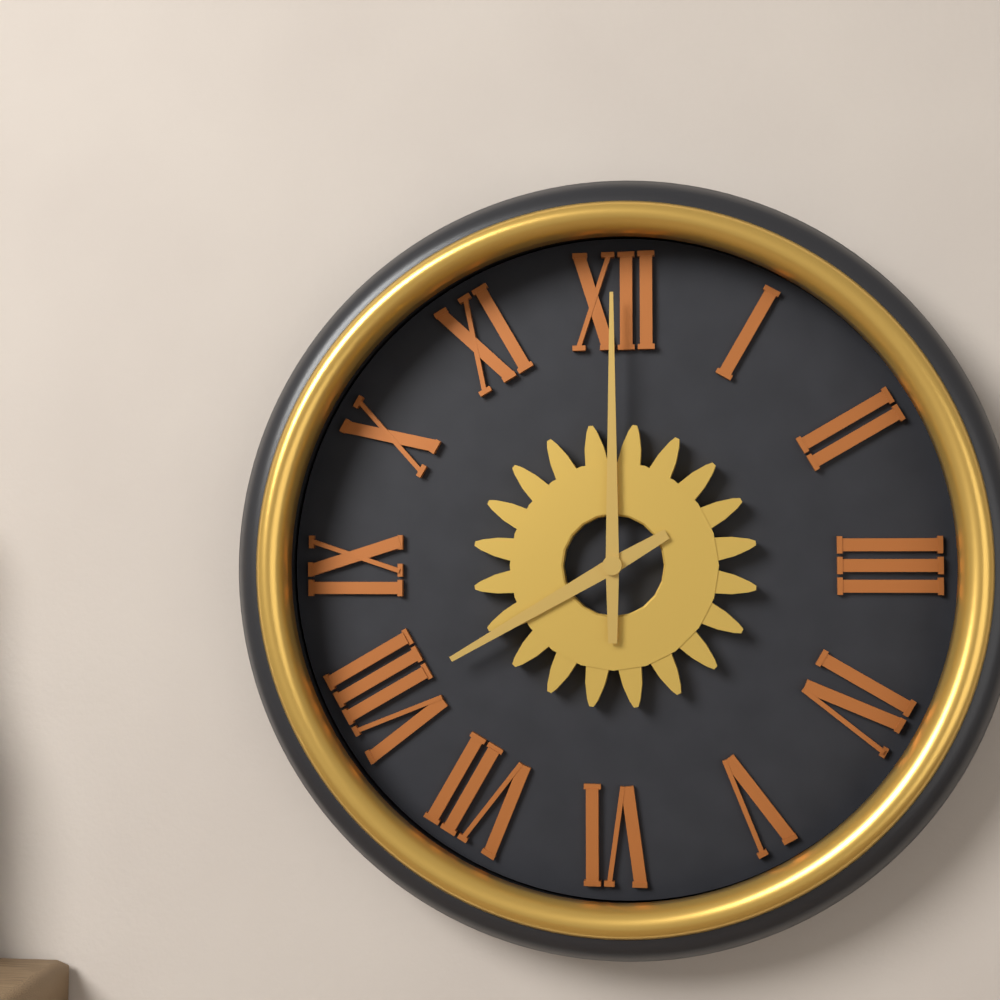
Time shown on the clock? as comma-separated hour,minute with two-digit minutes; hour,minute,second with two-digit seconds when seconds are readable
8,00
